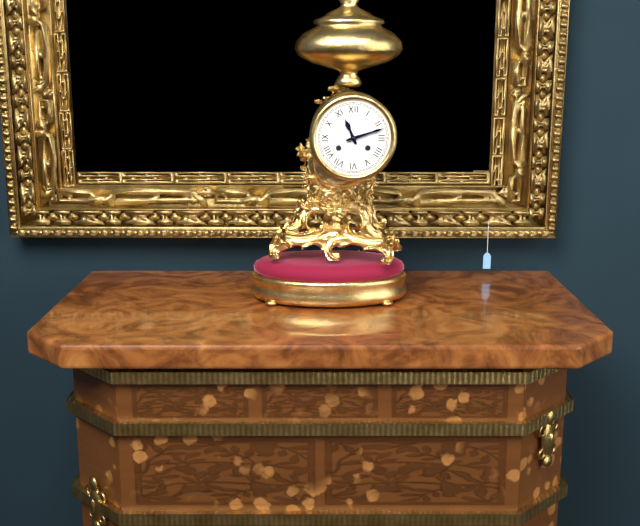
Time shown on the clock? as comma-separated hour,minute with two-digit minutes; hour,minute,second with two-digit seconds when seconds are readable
11,12
